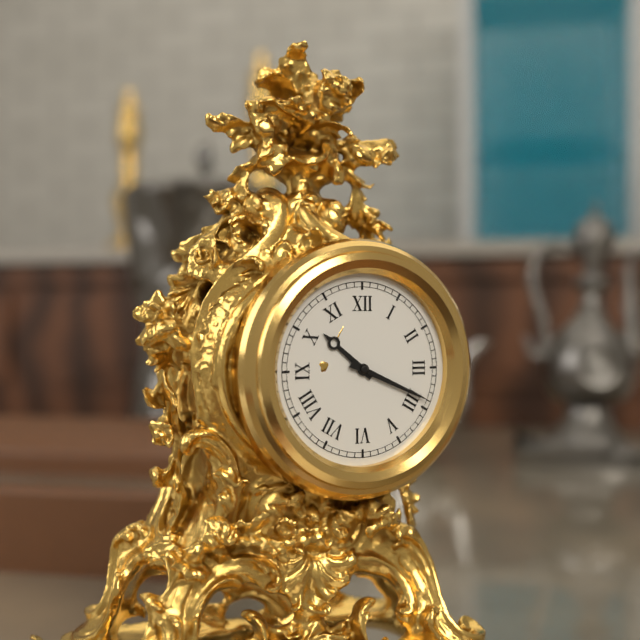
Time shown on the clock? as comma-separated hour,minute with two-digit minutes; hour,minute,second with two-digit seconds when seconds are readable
10,19
